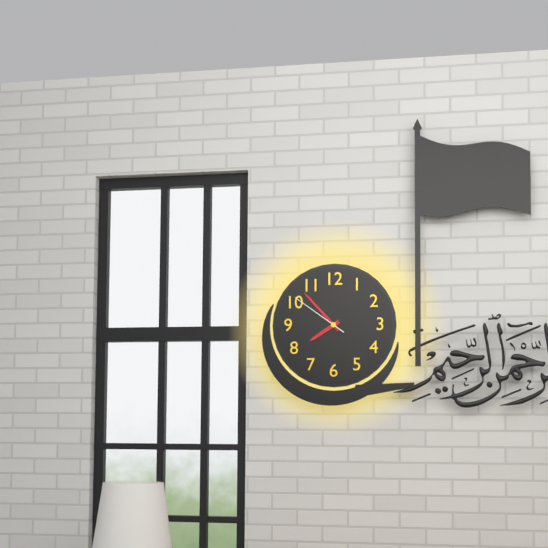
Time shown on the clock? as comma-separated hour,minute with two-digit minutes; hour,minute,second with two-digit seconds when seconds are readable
7,53,51
